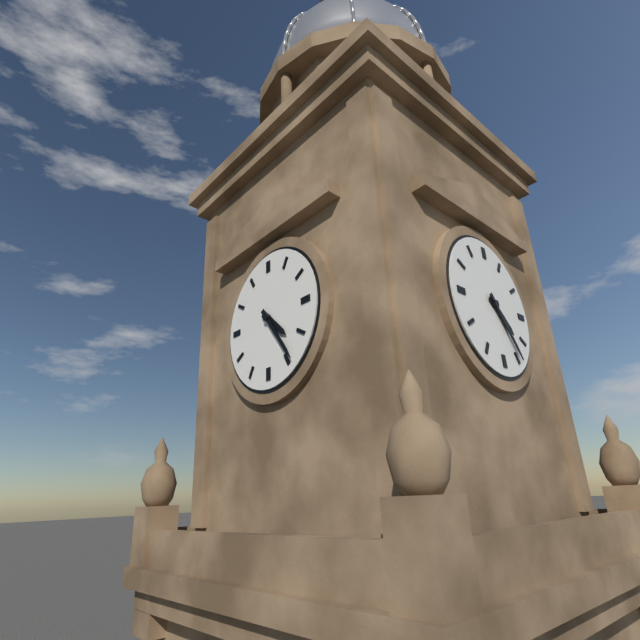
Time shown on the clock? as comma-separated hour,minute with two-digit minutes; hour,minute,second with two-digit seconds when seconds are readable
4,24
